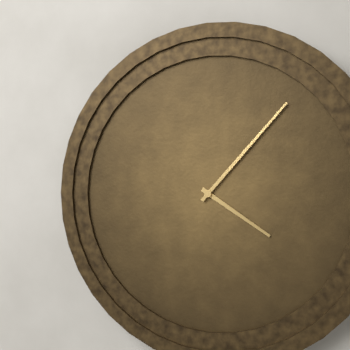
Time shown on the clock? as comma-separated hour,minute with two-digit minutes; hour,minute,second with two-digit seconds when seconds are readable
4,07
